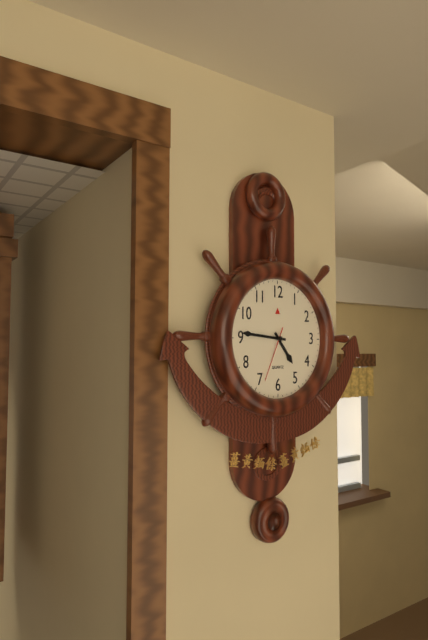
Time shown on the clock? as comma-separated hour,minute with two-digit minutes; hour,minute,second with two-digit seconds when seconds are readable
4,46,34
